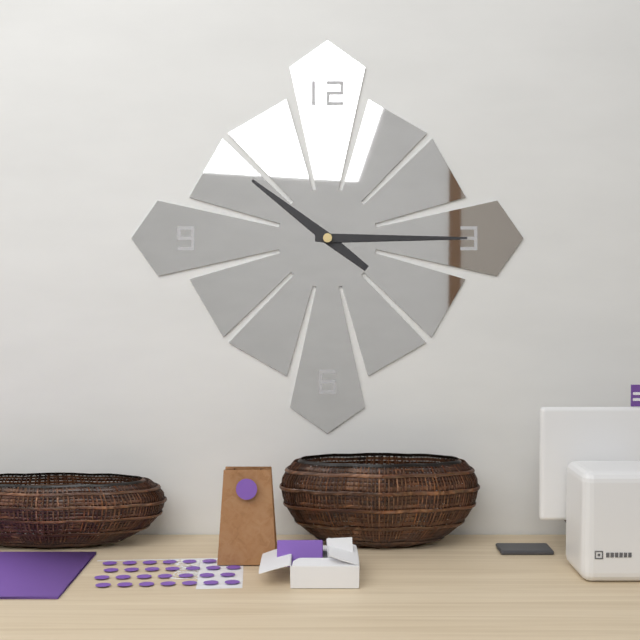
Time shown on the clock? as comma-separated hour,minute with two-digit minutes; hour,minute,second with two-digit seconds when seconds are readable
10,15
